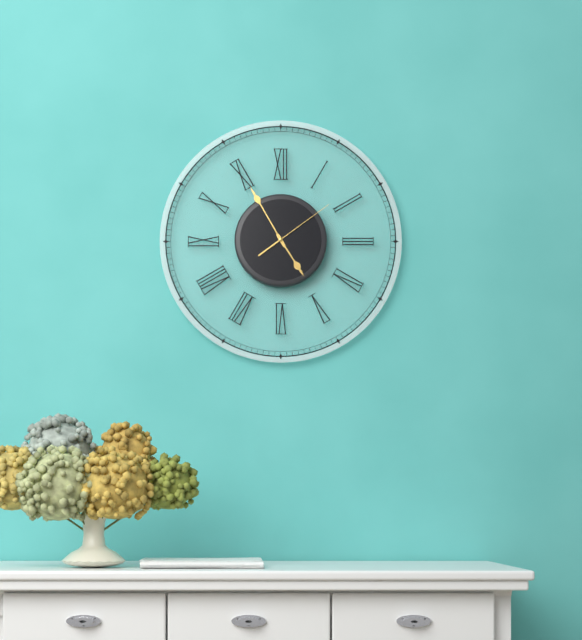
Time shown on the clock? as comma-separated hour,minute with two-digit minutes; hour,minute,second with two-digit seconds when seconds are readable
4,55,09
